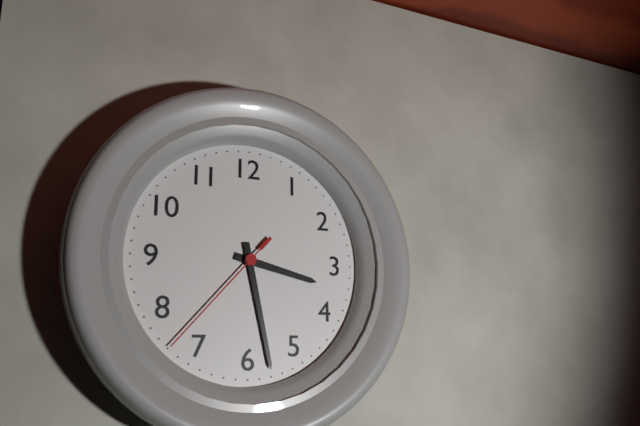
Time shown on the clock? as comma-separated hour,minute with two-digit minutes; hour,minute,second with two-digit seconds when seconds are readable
3,28,37
